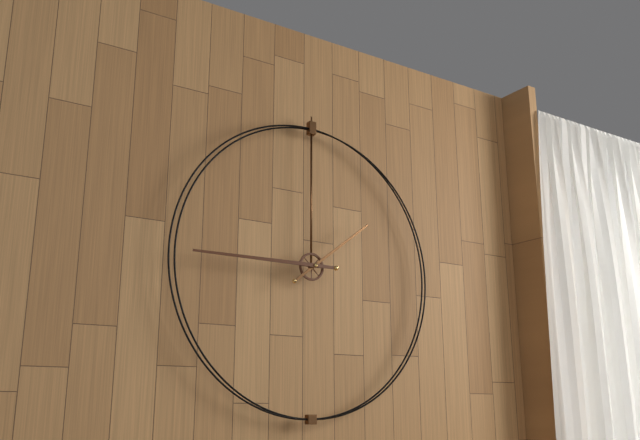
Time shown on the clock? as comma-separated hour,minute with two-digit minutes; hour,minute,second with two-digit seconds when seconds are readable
1,45
